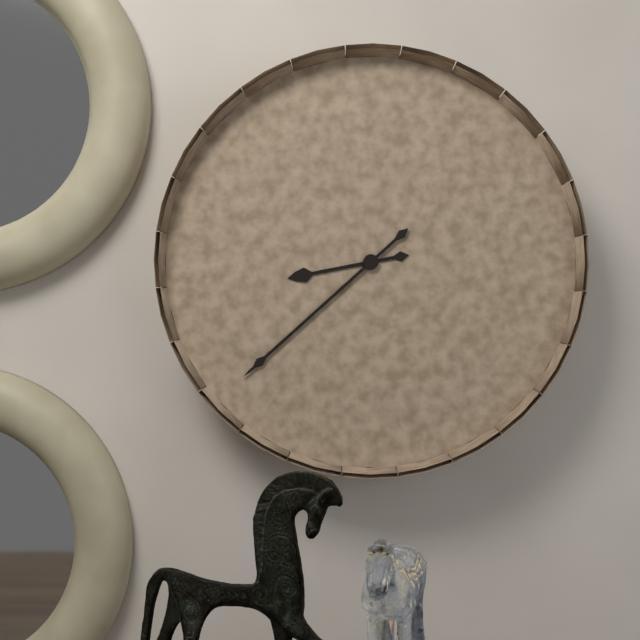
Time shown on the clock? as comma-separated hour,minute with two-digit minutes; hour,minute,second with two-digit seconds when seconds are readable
8,38
